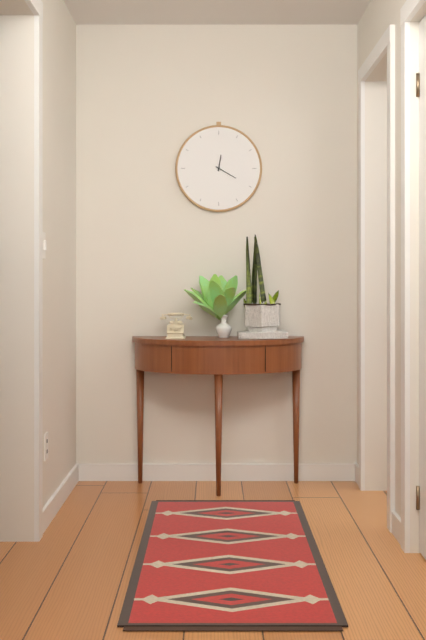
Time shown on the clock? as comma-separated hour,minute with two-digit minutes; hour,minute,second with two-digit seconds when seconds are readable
12,20
